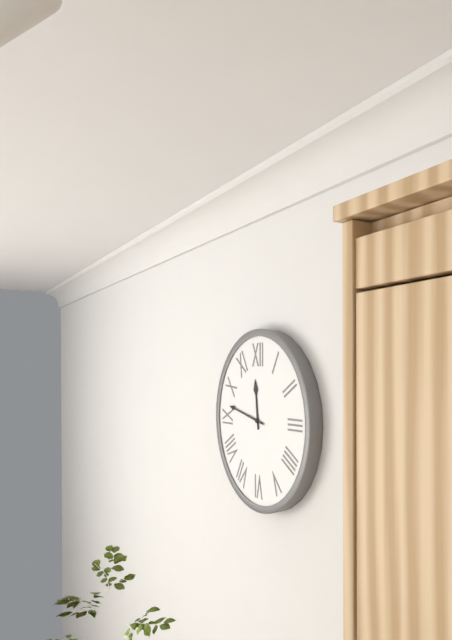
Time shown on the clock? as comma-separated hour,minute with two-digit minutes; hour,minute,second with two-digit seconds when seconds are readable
11,47
